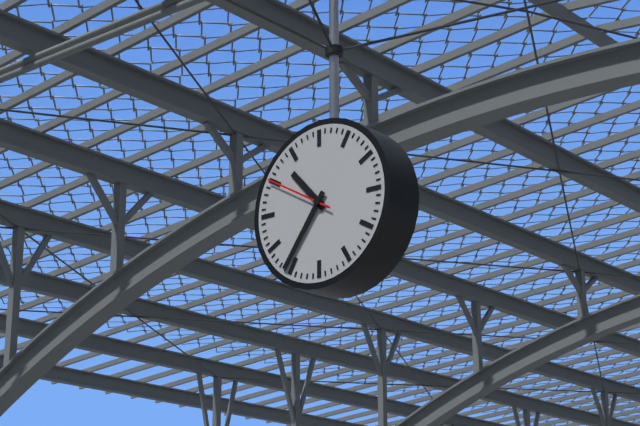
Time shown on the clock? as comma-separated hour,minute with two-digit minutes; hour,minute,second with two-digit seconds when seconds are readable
10,36,50
